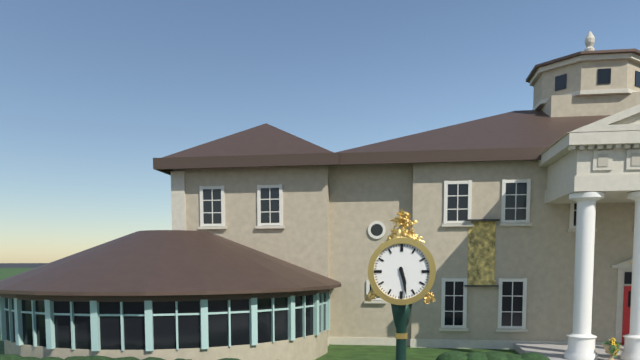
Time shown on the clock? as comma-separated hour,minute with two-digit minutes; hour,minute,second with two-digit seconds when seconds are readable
5,28
